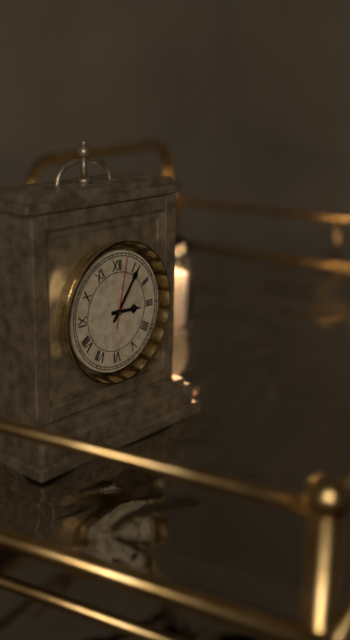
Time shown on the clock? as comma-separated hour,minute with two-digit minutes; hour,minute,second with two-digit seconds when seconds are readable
3,06,02
